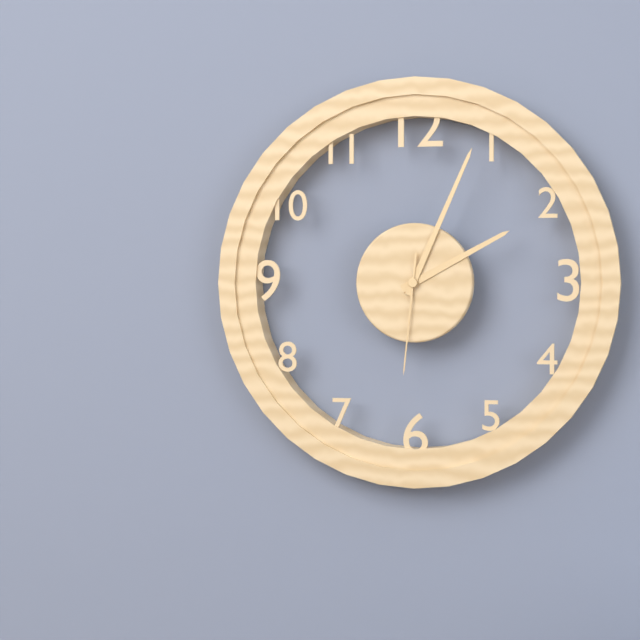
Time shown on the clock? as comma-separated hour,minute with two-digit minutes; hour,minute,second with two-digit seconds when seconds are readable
2,04,31
